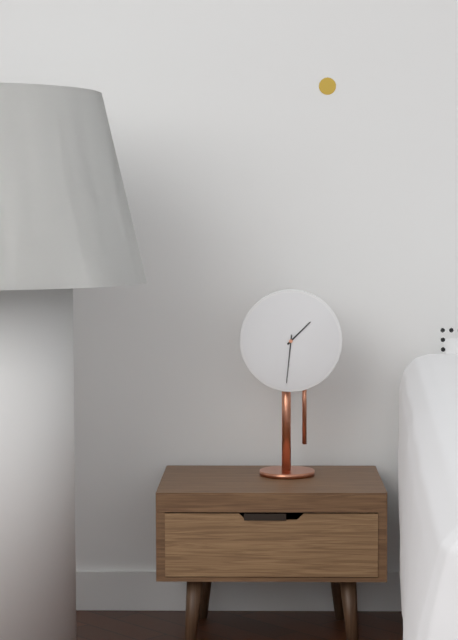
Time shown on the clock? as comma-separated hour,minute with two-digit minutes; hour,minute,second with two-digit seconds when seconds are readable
1,31
